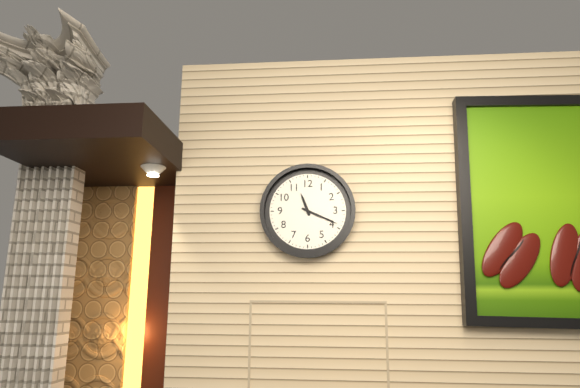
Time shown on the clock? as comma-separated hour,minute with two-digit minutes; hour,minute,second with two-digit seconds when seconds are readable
11,19
